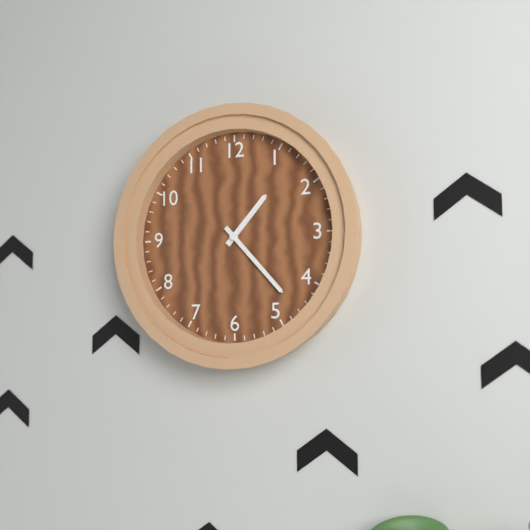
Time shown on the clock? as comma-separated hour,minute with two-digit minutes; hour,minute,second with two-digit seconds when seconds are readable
1,23
